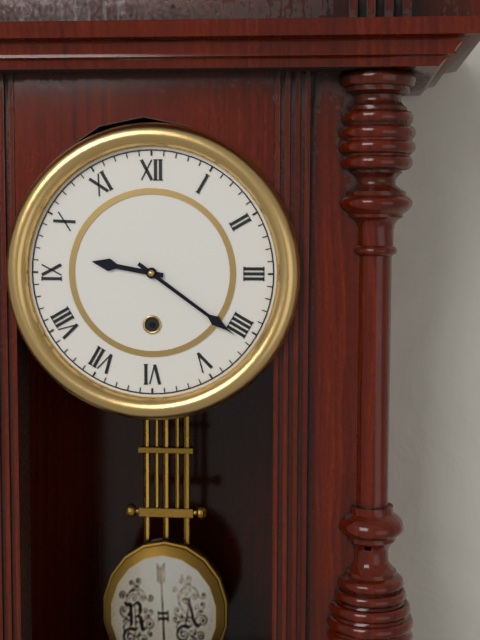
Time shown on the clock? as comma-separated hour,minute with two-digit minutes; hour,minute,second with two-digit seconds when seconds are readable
9,21
